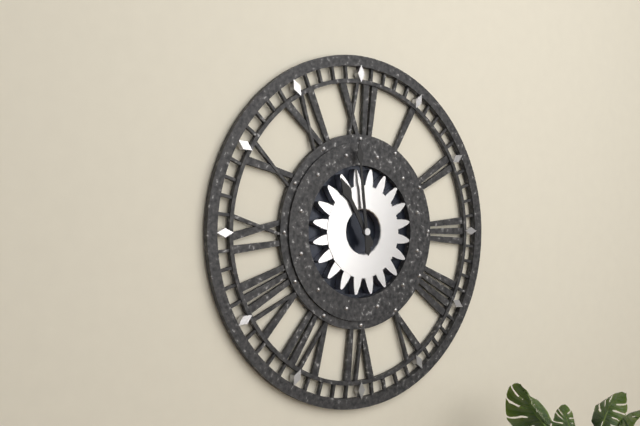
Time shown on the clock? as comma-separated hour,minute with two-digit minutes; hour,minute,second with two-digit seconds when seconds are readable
10,59
